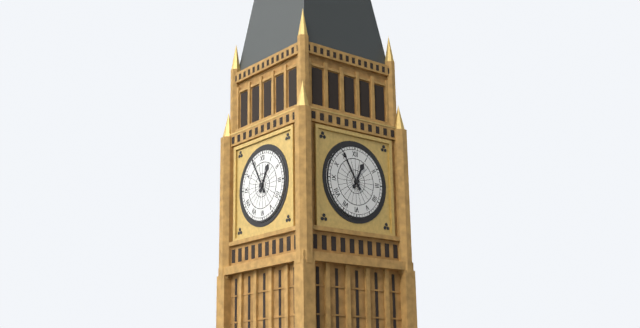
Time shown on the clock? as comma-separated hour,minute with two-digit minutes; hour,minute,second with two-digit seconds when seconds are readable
12,55
